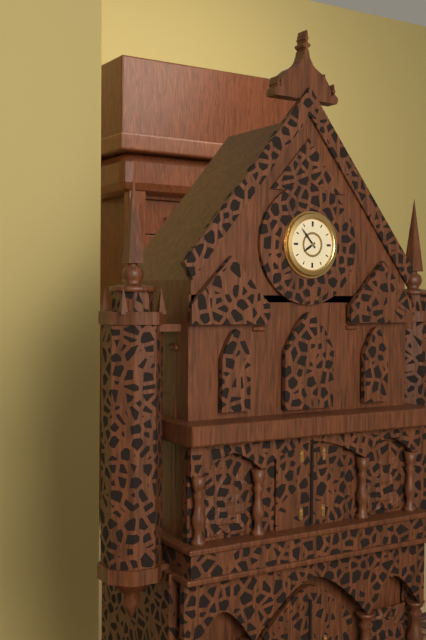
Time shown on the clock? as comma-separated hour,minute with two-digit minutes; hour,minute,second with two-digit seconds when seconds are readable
7,53
